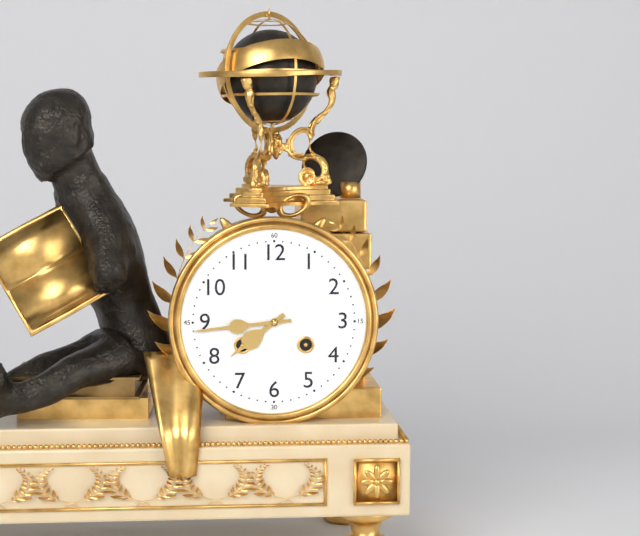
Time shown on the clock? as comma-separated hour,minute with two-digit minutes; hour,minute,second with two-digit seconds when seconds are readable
7,44
